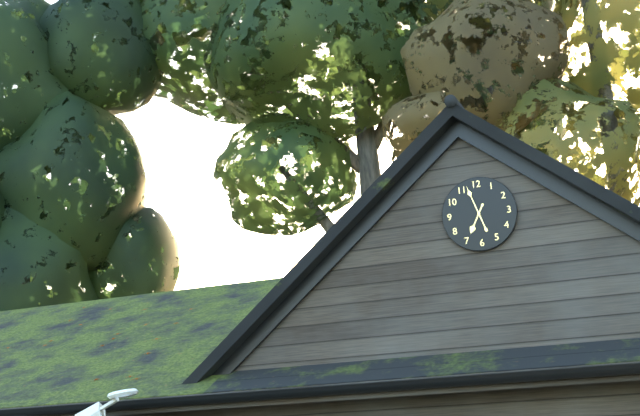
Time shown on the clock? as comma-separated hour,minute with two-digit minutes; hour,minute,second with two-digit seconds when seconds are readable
6,57
